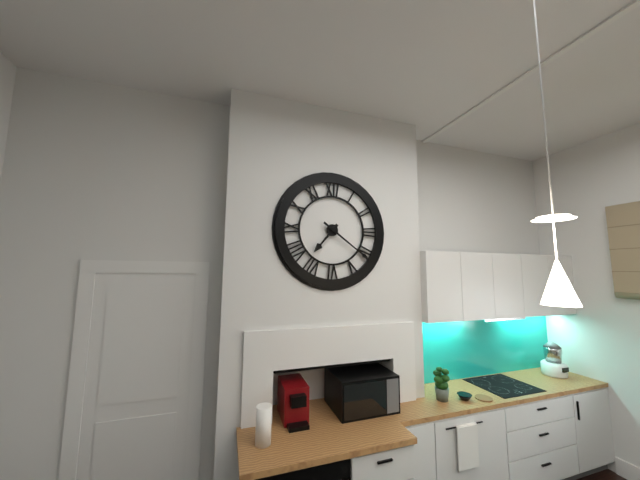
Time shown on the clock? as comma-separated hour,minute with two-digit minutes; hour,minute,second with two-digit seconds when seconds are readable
7,21
